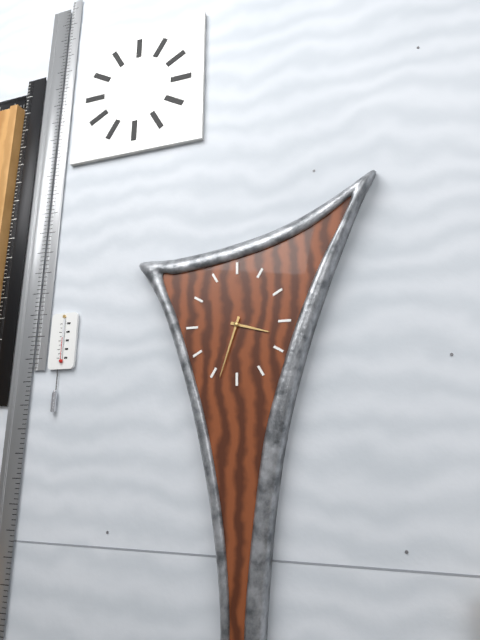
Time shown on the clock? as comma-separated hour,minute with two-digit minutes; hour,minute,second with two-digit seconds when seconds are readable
3,33
